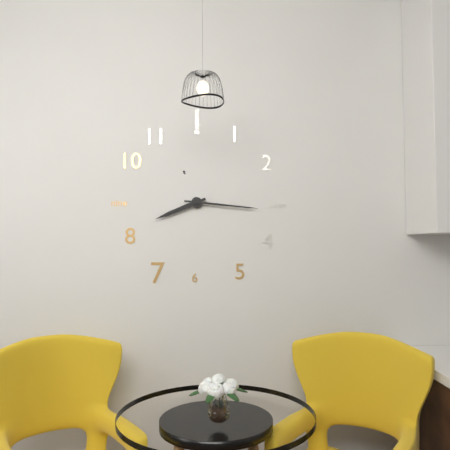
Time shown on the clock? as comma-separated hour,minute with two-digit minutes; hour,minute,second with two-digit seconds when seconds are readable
8,16
